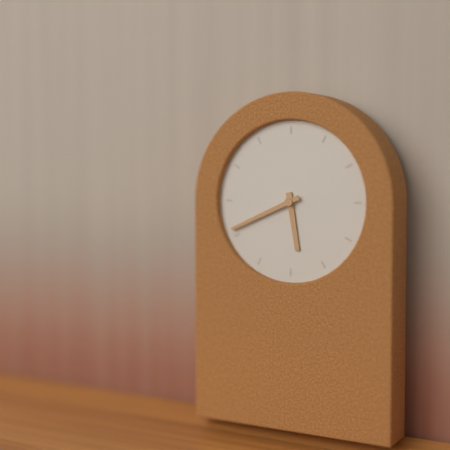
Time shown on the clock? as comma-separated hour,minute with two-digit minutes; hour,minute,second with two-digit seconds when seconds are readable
5,41
